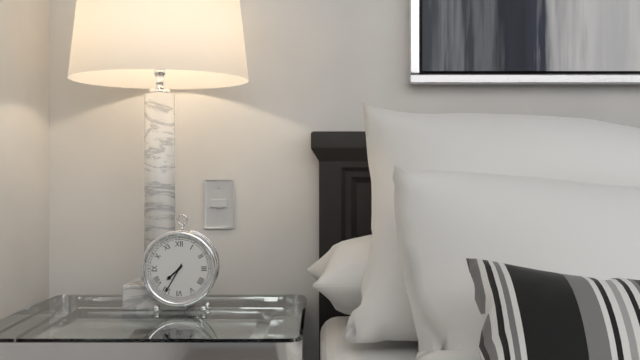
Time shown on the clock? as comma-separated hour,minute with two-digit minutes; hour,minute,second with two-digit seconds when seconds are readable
7,35
